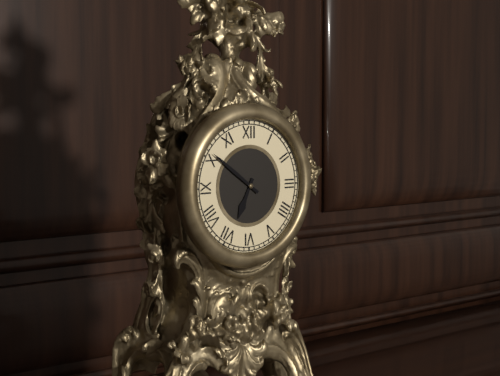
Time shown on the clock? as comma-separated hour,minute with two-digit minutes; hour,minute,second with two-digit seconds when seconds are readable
6,51
